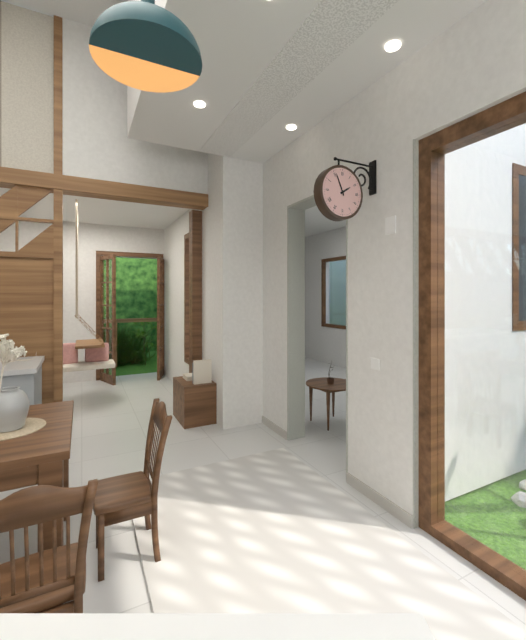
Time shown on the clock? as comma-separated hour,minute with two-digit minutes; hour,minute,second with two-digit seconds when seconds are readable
1,56
